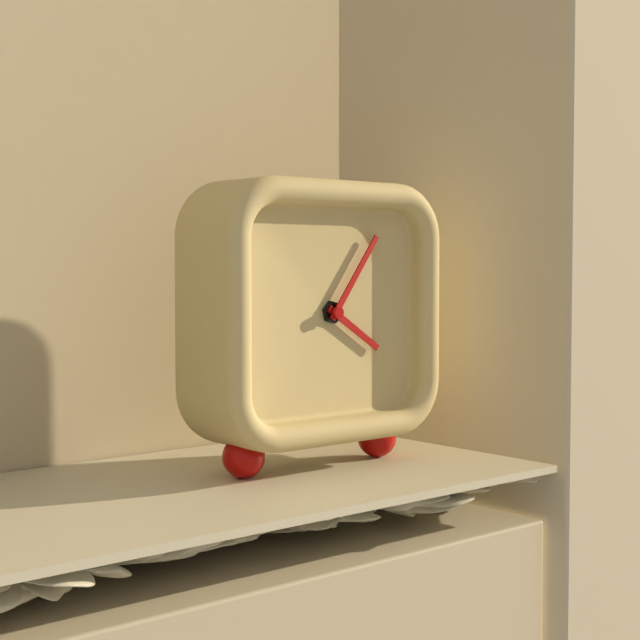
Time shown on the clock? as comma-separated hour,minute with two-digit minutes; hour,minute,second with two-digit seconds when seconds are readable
4,06
